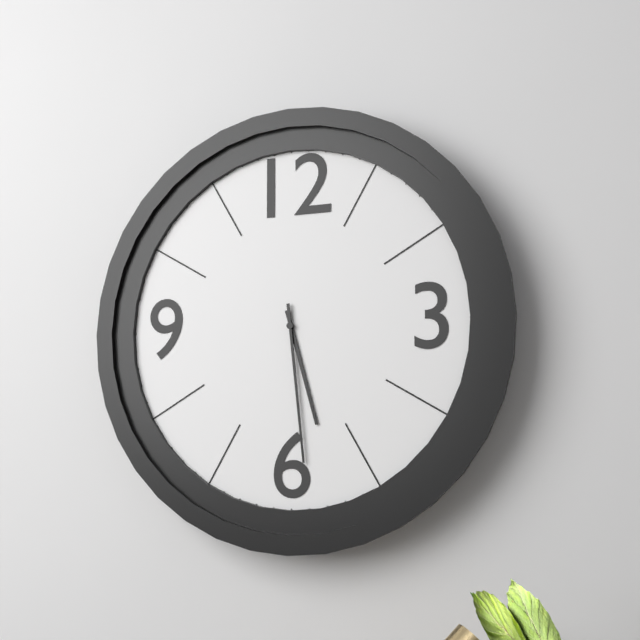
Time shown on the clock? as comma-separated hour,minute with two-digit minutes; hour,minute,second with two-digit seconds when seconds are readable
5,29
